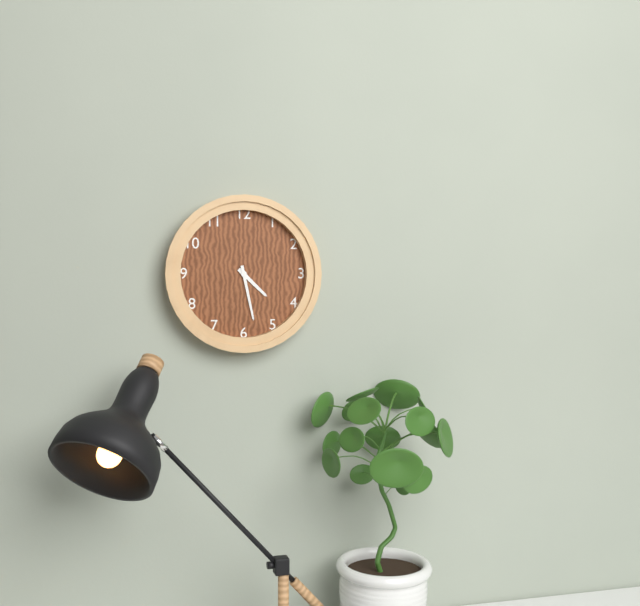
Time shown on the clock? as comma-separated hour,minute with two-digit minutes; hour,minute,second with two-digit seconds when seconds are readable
4,28
